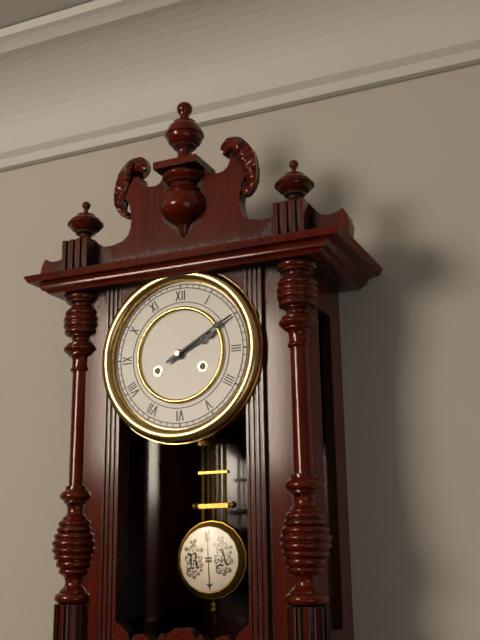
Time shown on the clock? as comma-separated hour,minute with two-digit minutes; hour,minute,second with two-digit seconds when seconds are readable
2,10
